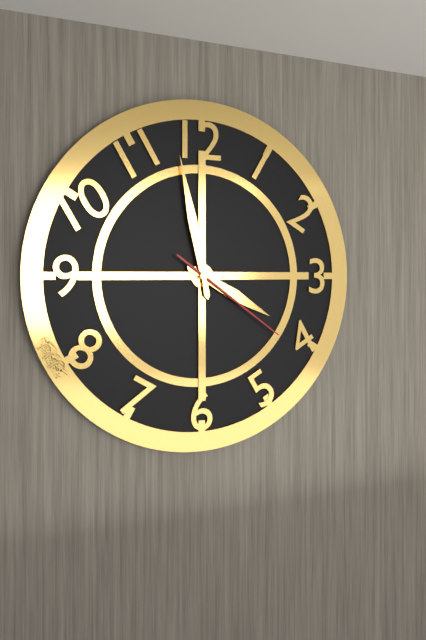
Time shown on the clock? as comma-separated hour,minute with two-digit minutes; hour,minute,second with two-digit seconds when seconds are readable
3,58,21
